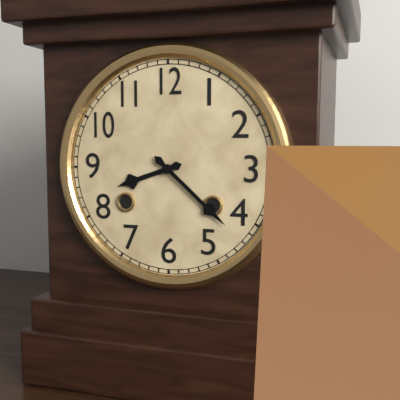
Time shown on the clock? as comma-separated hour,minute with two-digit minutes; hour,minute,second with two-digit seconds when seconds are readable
8,22
